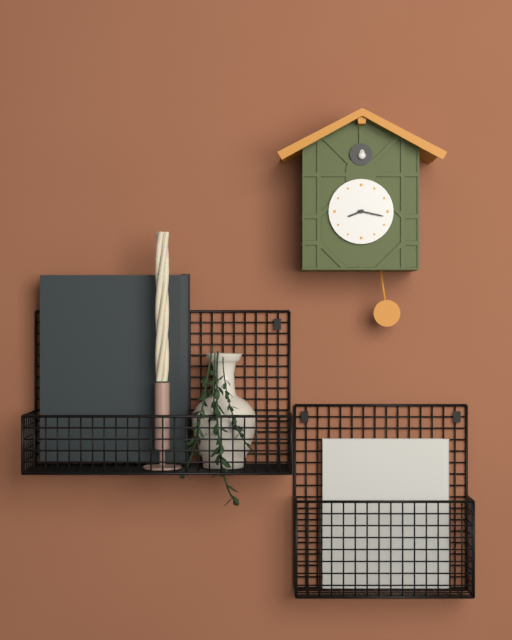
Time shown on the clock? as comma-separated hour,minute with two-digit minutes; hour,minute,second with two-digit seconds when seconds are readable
8,17
